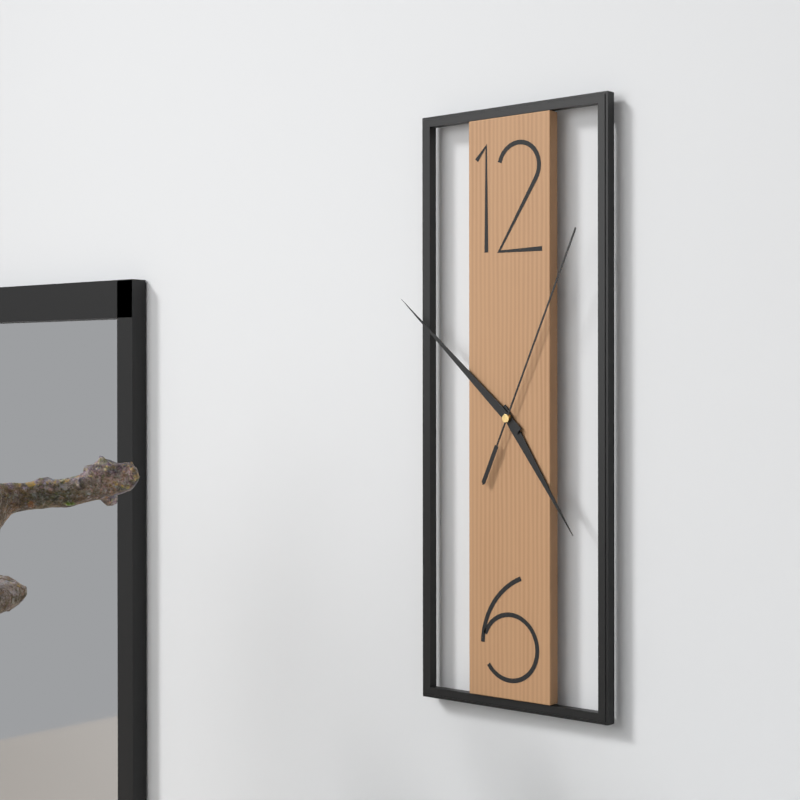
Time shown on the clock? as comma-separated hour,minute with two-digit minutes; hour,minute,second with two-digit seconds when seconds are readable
4,52,04
